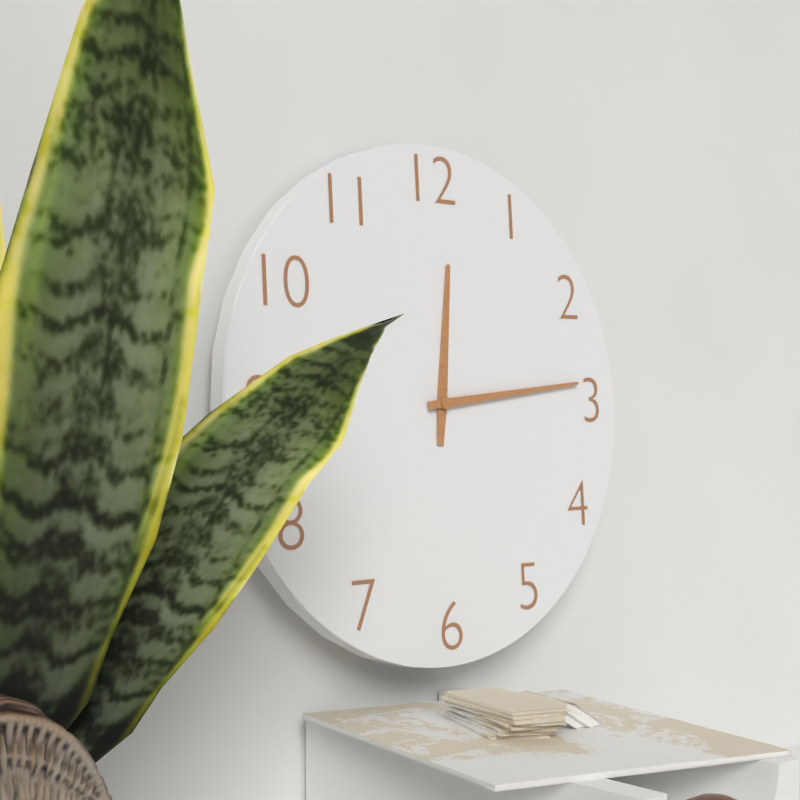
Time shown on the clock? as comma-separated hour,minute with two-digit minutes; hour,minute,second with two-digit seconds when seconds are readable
12,14
